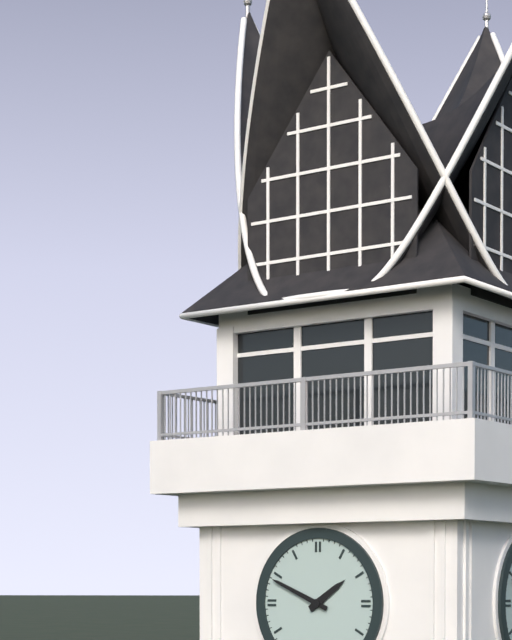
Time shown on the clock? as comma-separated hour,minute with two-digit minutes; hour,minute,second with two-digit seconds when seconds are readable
1,49
